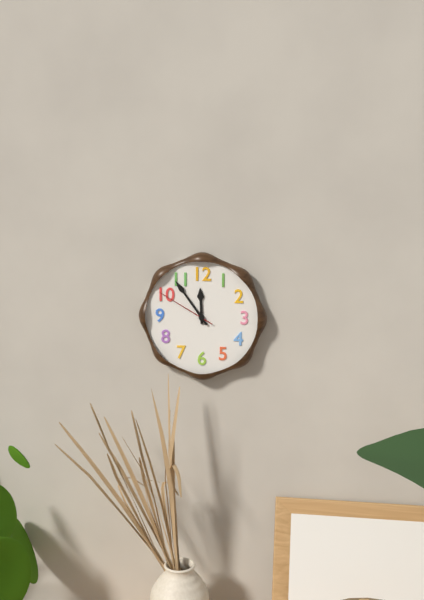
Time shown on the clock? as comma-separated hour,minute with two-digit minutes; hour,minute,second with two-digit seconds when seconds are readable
11,54,50
